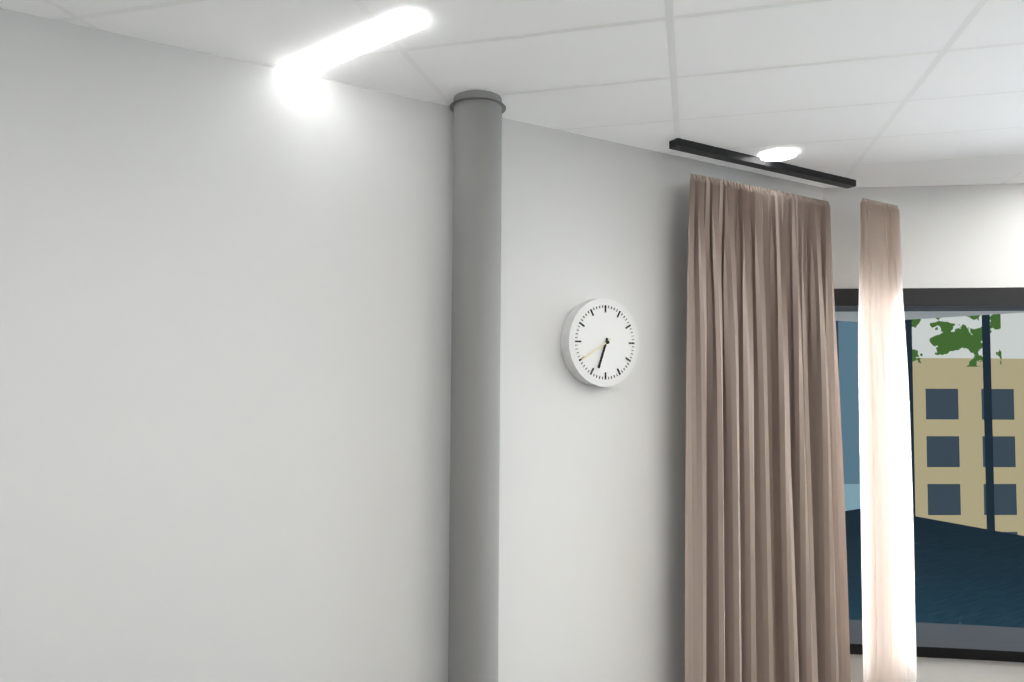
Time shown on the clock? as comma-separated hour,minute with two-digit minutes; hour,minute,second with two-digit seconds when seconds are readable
6,40
